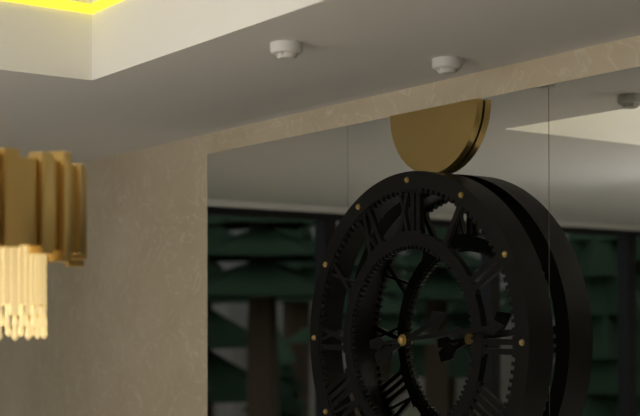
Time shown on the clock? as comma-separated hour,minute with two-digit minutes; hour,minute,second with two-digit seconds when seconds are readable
2,14
